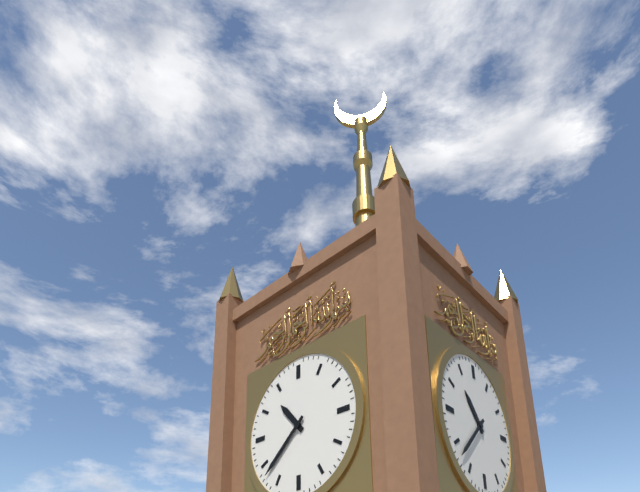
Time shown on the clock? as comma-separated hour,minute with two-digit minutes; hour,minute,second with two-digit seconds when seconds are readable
10,38
